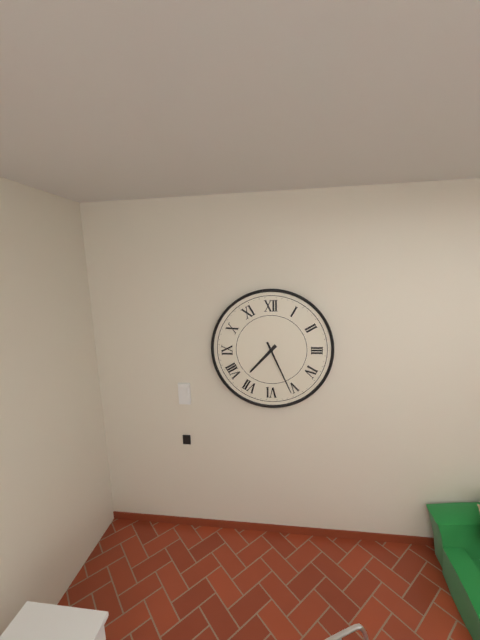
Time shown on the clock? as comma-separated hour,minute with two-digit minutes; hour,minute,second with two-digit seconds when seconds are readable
7,26
